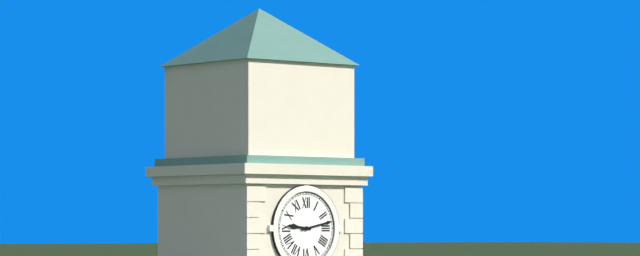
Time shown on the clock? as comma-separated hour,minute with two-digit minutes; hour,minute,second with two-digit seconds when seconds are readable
9,13
